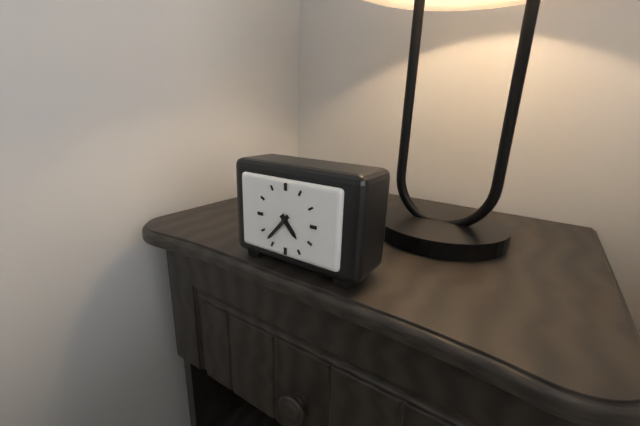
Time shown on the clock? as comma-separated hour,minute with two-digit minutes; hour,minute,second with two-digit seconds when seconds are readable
4,37
